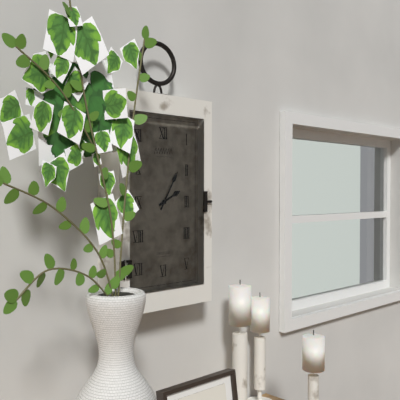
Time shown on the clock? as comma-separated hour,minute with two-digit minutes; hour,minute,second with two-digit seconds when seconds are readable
2,05
